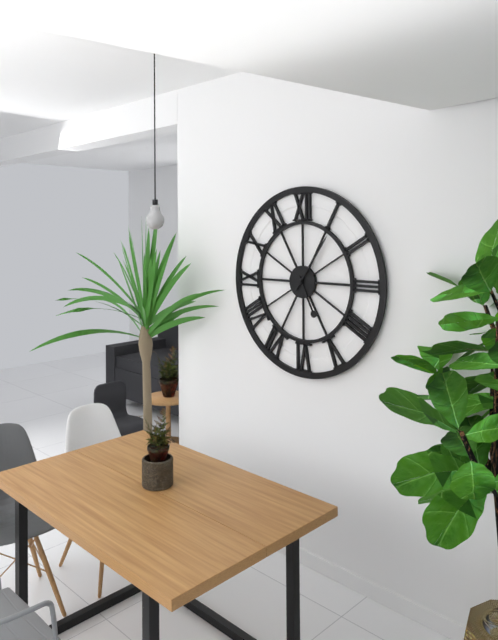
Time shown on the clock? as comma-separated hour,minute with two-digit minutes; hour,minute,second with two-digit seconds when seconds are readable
5,06
